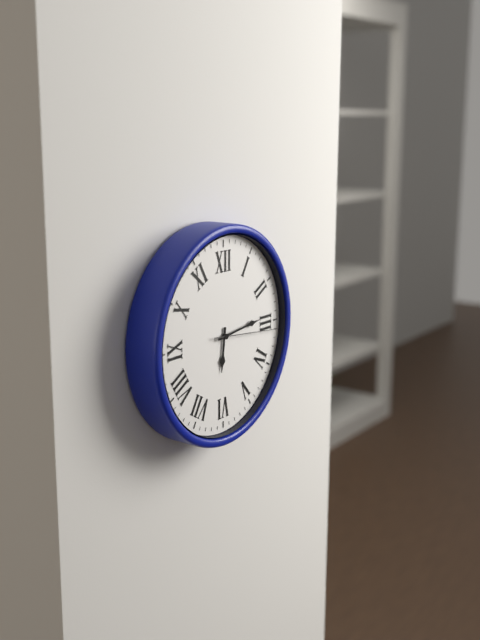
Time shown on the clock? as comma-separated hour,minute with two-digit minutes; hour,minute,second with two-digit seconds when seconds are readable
6,14,16
